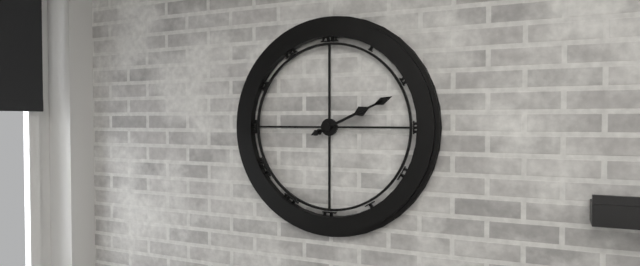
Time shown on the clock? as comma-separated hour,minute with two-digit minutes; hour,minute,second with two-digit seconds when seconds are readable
2,11
